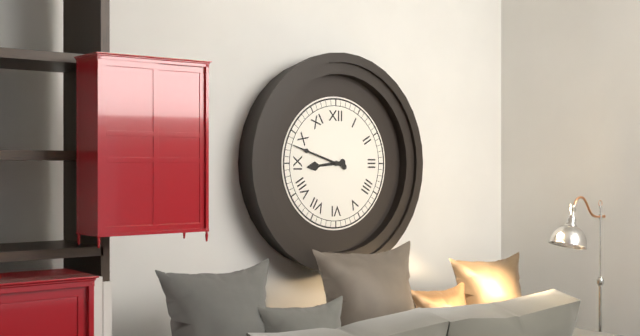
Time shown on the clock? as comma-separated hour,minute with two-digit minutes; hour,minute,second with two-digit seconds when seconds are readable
8,48
